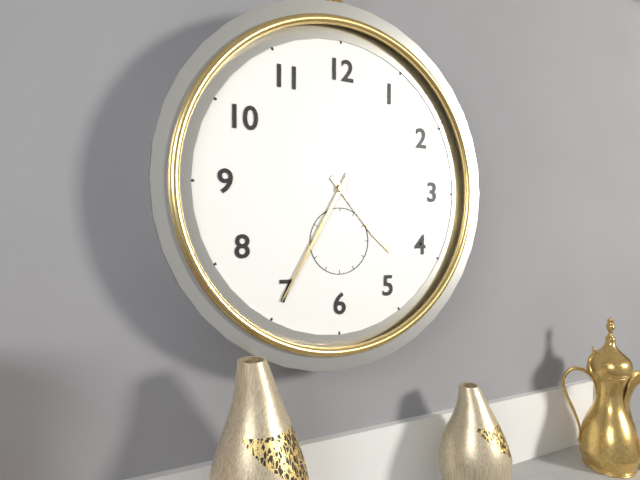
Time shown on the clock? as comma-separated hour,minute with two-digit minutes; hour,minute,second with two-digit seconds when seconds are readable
4,35
